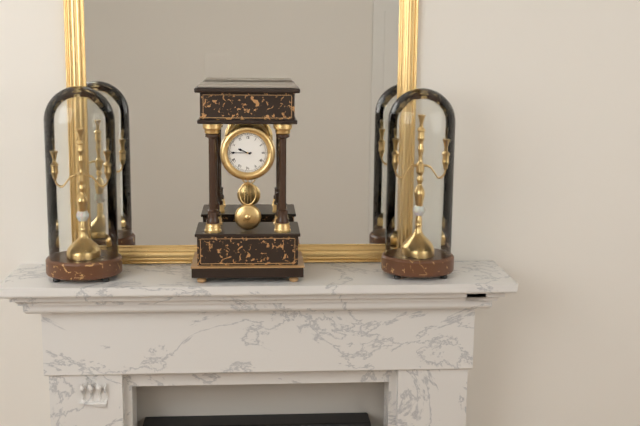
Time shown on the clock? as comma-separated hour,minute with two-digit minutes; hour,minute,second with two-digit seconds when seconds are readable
9,45
